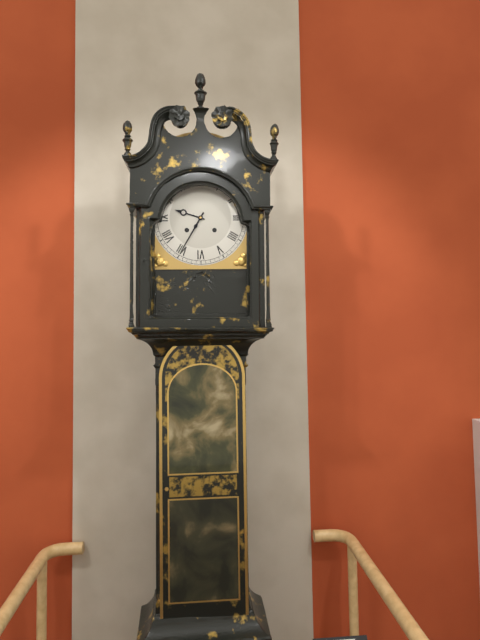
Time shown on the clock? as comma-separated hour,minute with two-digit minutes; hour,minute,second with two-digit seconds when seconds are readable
9,35
